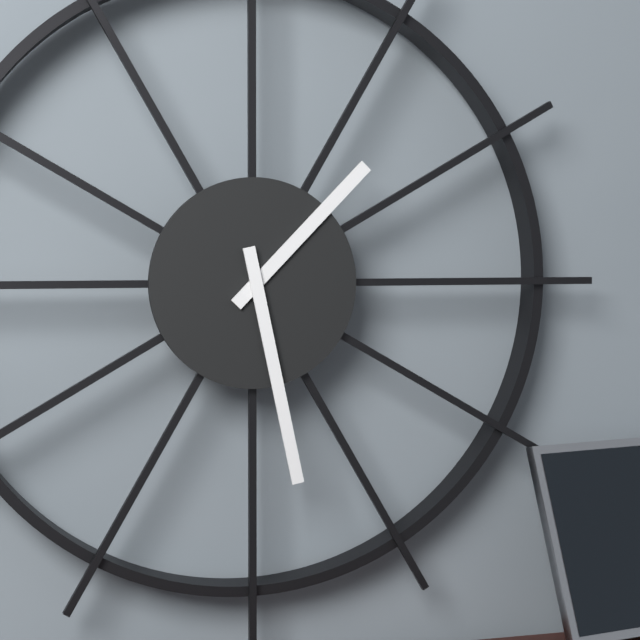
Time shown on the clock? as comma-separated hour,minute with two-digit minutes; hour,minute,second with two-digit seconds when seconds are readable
1,28
